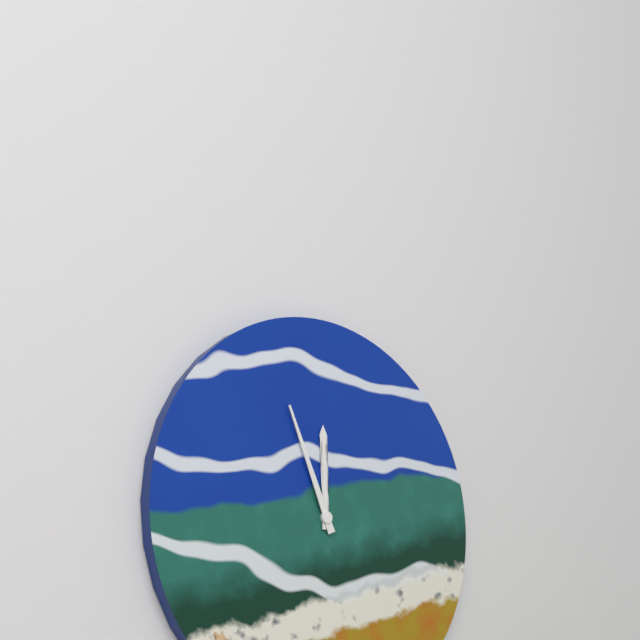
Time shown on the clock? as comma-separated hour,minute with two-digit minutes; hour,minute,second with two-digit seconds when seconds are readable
11,56
